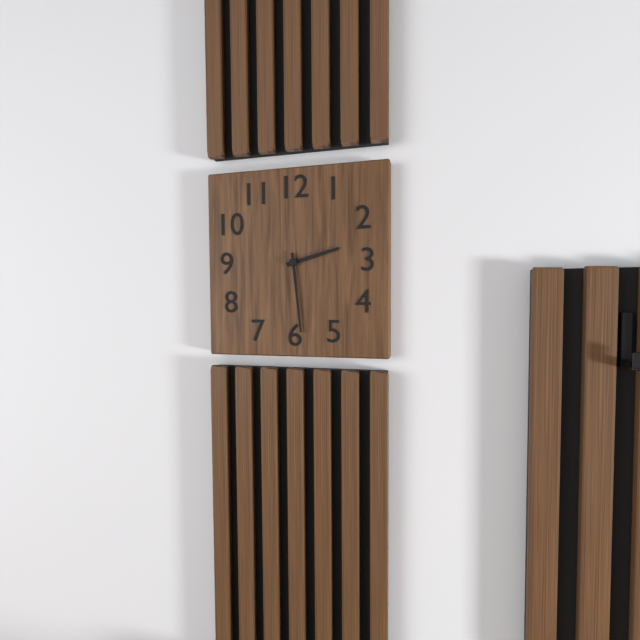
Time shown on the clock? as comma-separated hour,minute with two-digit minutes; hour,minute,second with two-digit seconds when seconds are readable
2,29
